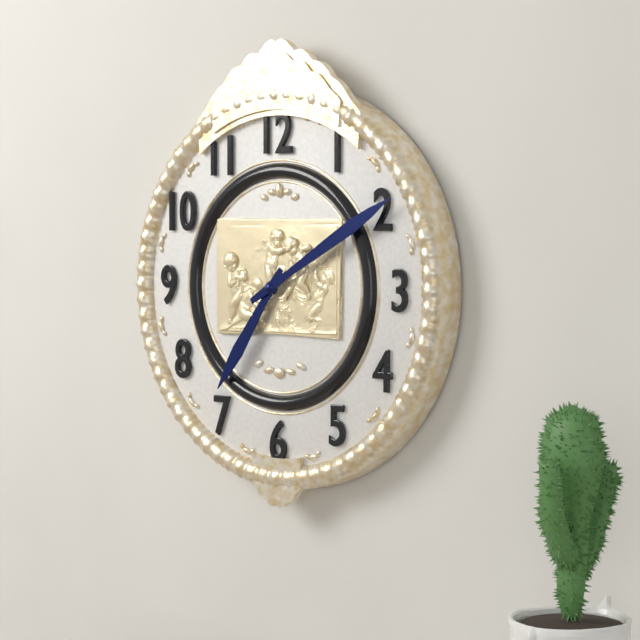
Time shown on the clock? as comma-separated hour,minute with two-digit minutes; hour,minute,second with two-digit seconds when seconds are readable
7,10
